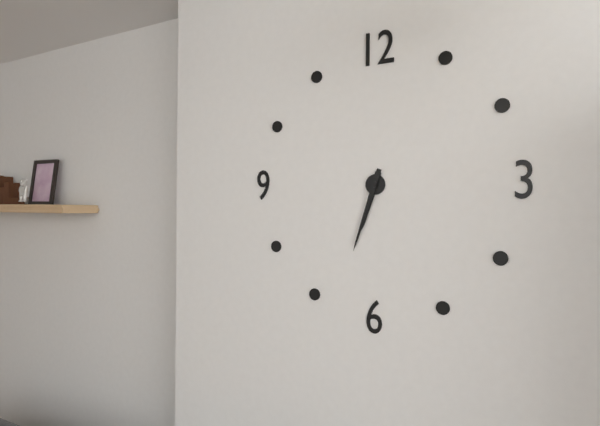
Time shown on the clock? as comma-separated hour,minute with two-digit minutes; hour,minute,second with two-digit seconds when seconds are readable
6,33
